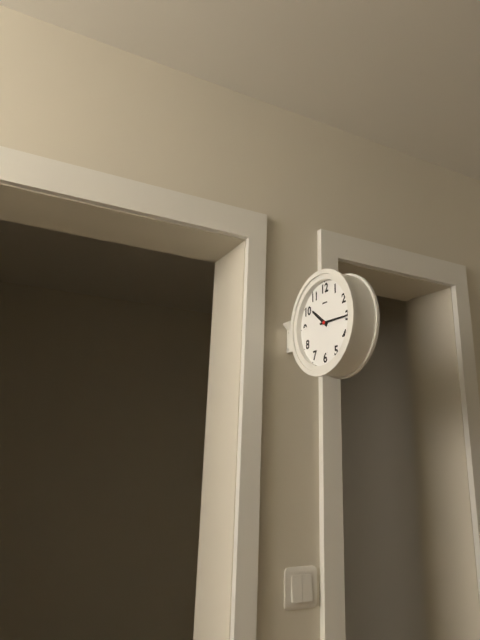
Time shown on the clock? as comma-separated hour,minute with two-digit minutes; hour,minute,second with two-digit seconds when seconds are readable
10,15
